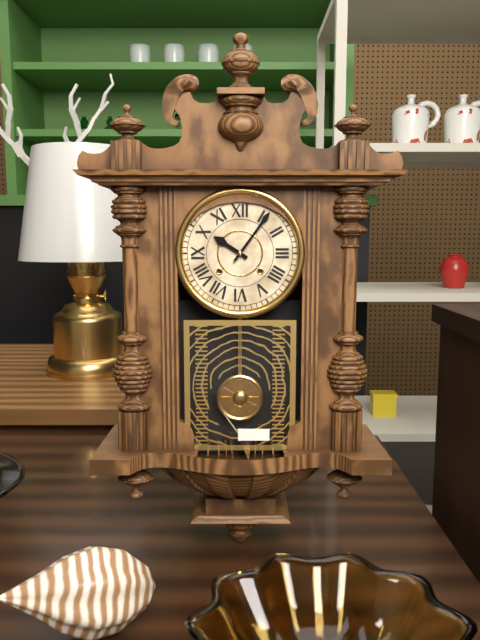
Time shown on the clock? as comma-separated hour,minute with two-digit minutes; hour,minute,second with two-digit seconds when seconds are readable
10,06
